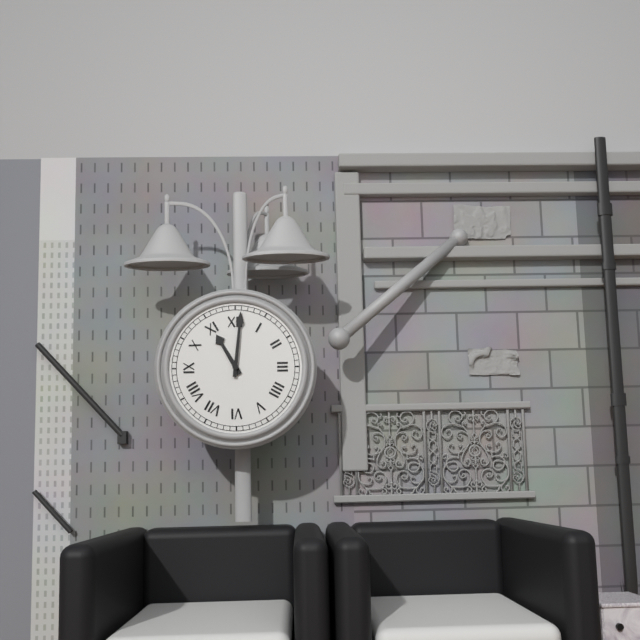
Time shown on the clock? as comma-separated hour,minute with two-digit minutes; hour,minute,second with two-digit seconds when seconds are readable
11,01
